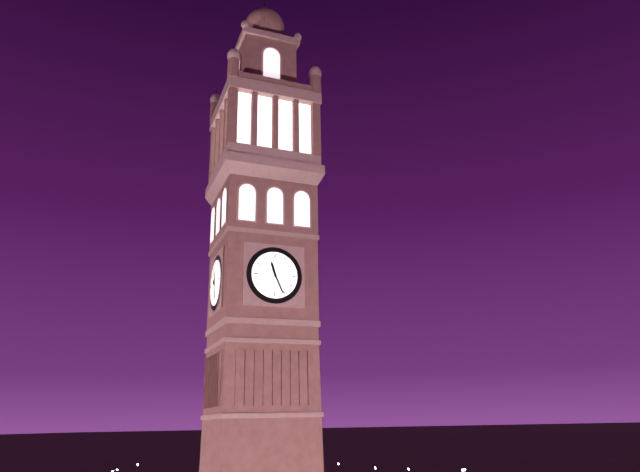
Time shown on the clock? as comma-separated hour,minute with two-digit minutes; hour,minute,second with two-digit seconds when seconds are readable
11,26
